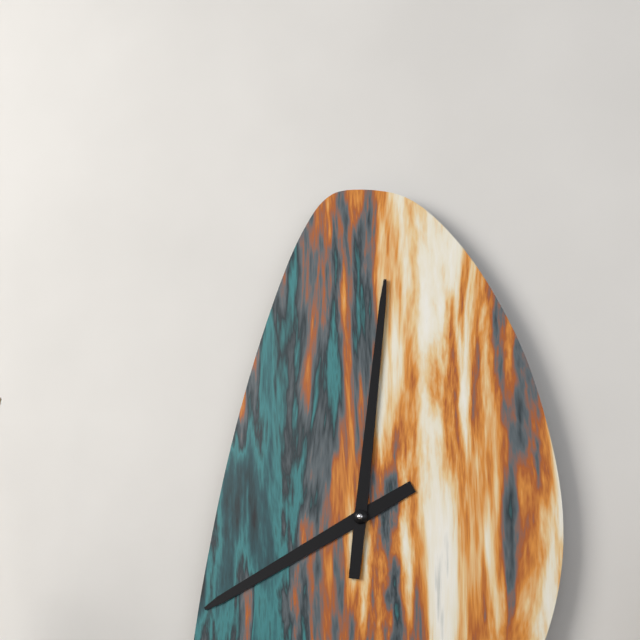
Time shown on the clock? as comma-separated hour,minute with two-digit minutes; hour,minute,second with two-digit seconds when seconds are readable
8,01
